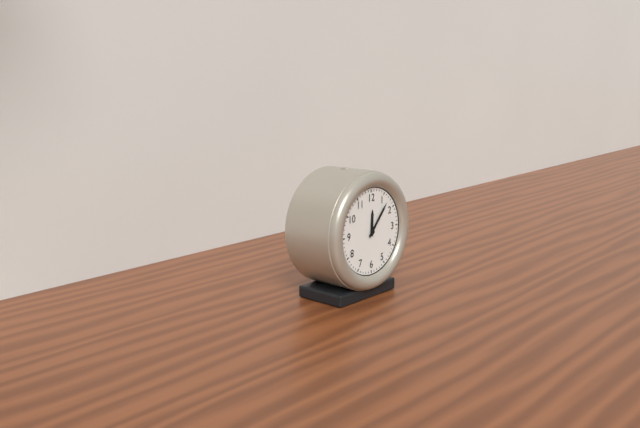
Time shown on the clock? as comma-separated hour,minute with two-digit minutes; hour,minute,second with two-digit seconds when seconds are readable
12,07
